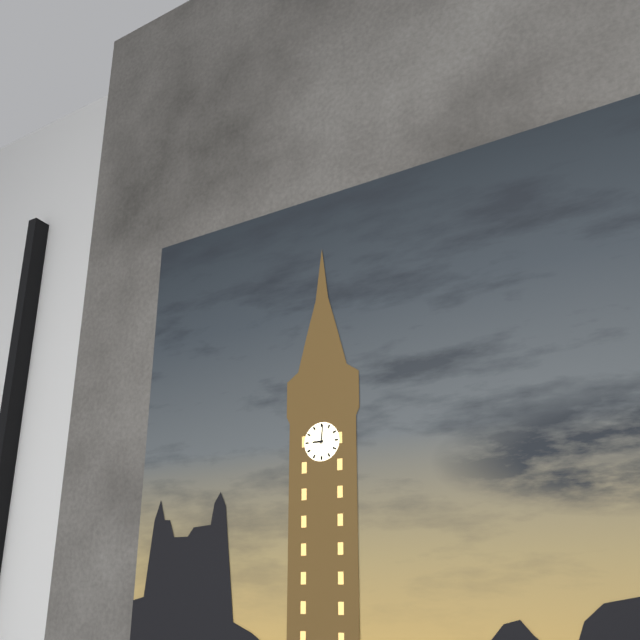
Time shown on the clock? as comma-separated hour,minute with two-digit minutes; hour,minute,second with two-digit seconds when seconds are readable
9,01
